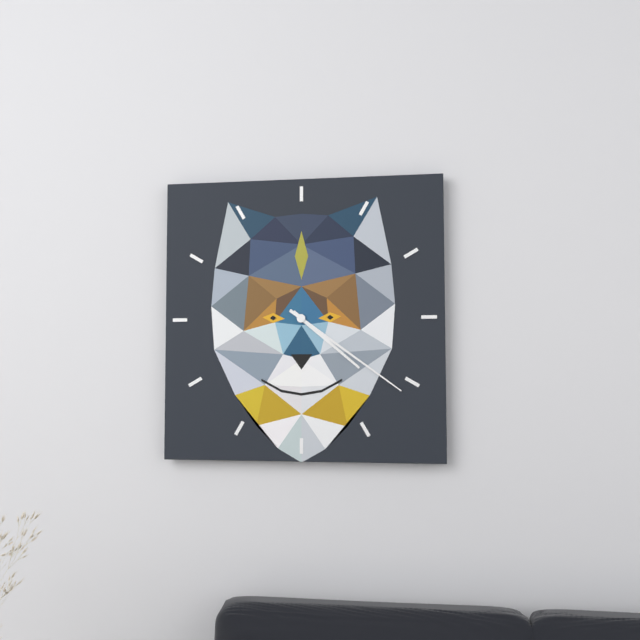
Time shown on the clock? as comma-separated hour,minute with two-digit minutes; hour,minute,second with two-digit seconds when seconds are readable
4,21
